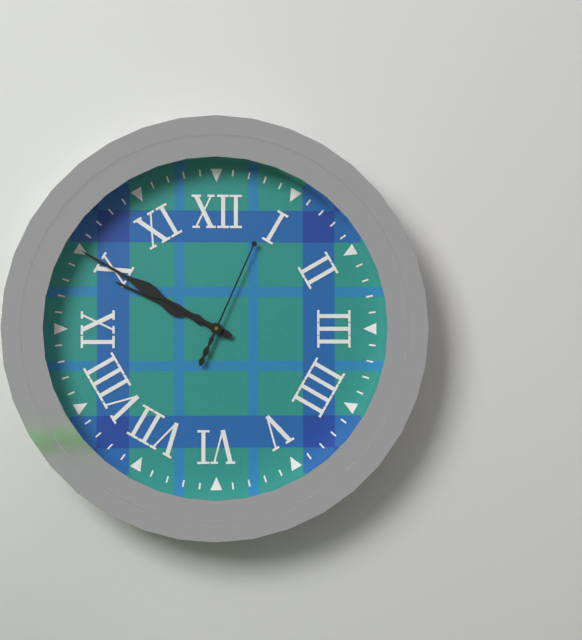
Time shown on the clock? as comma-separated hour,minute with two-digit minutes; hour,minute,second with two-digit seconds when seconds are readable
9,50,04
